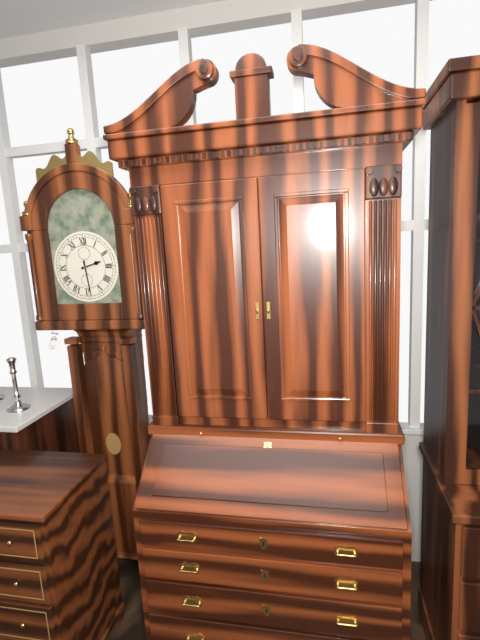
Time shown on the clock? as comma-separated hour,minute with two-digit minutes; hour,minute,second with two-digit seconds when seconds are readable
2,29
